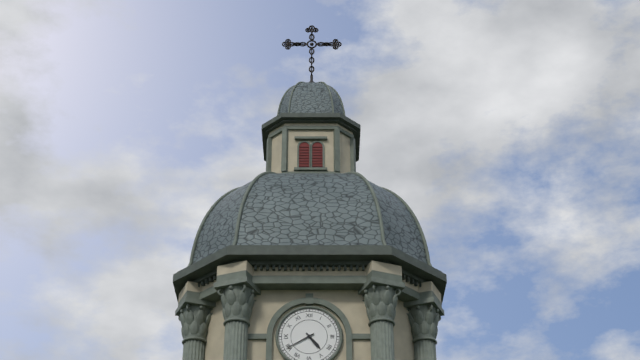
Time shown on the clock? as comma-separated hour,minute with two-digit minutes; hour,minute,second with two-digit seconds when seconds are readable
4,40
